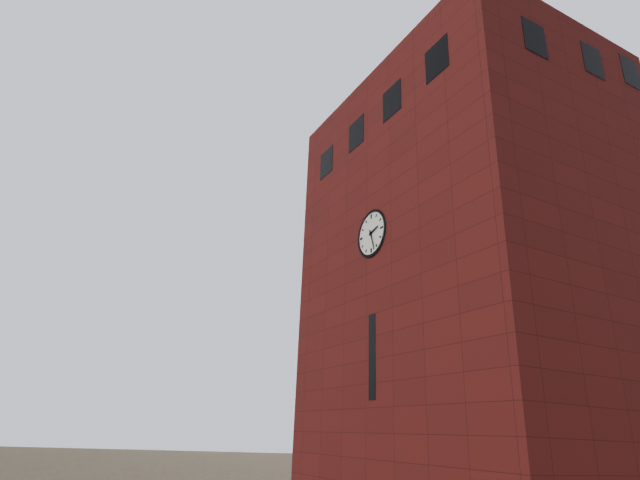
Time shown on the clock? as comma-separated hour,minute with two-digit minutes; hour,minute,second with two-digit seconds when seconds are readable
2,27
